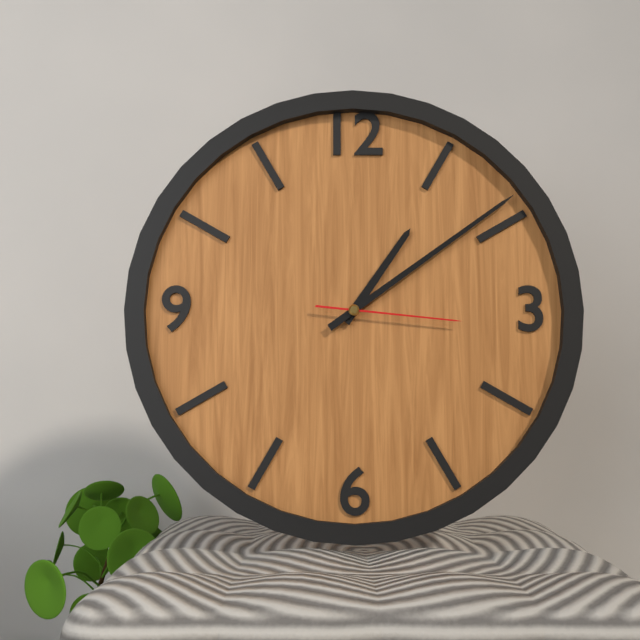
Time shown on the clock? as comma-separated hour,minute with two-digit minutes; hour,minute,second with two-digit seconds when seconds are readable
1,09,16
